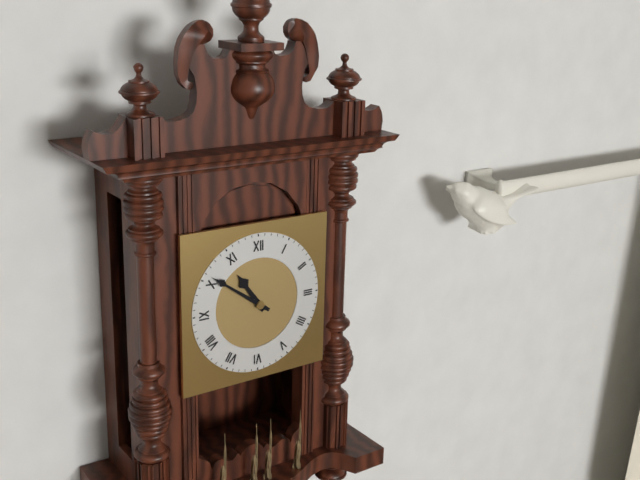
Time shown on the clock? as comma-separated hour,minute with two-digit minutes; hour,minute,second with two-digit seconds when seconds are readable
10,51
